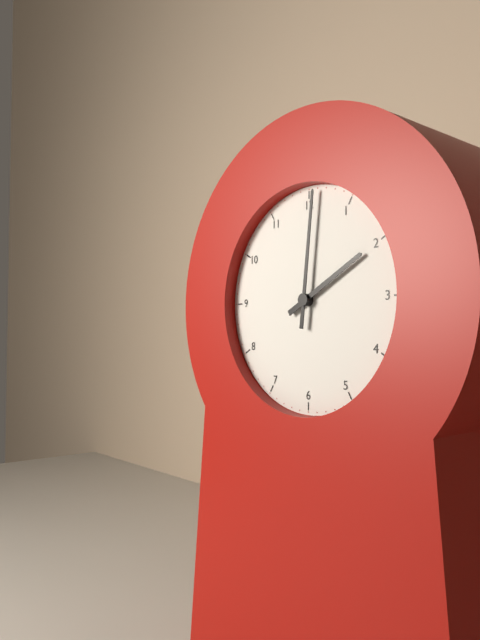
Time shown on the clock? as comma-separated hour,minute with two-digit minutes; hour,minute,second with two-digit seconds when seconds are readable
2,01
